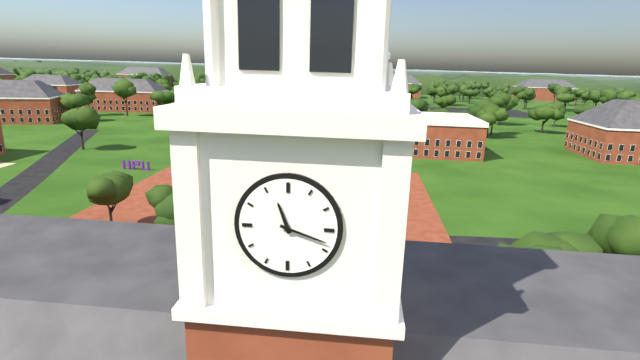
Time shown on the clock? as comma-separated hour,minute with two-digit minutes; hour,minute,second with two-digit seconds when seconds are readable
11,18
